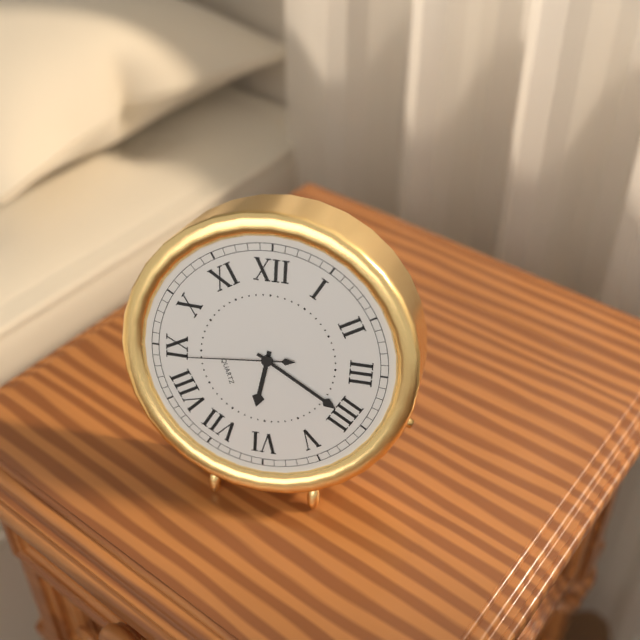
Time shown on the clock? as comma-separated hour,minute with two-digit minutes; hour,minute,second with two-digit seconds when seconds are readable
6,20,44
